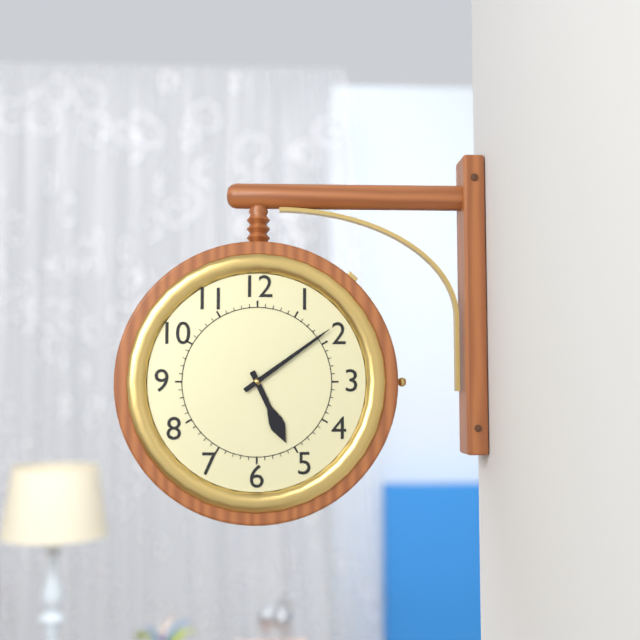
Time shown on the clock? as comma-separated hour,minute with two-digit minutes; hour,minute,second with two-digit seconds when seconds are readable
5,09
